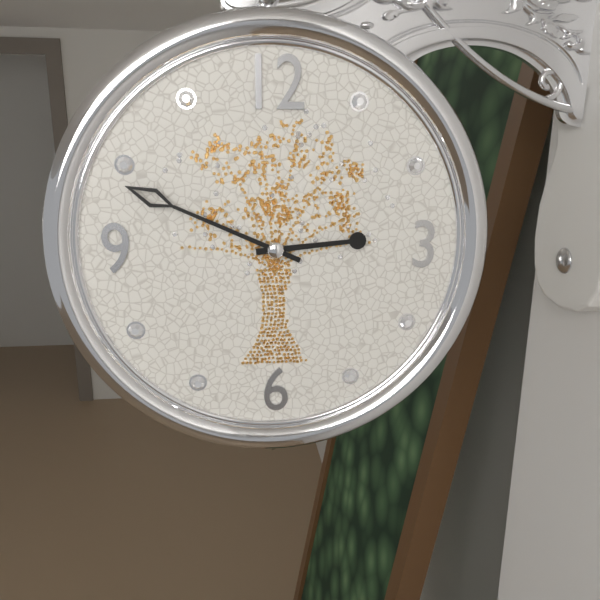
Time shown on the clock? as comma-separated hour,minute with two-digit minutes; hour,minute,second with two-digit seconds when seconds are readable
2,49
